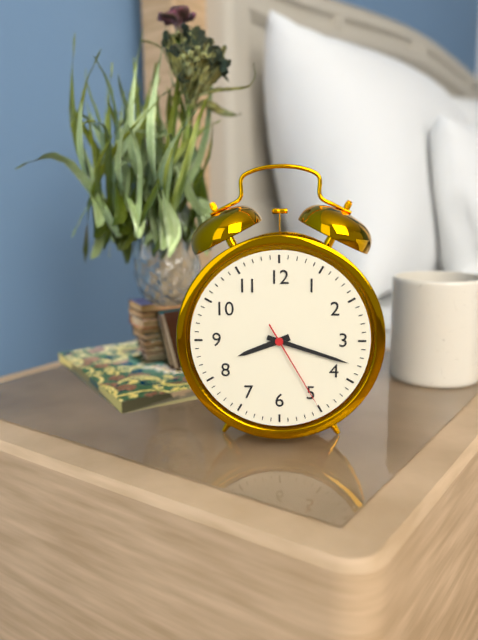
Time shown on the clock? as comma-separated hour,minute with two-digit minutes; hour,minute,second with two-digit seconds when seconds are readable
8,18,25
